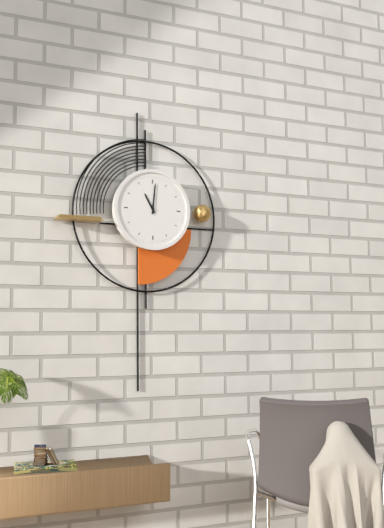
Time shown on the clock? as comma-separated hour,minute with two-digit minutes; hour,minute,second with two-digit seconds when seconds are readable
11,01
